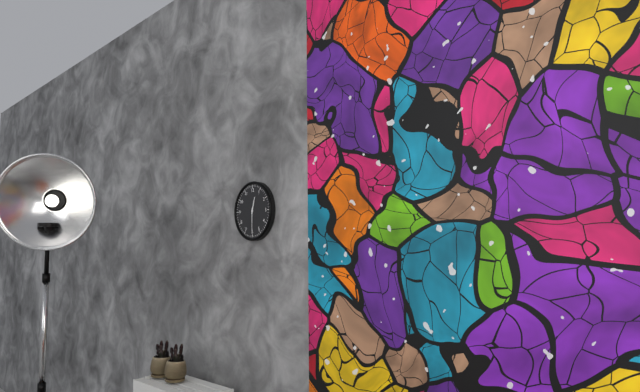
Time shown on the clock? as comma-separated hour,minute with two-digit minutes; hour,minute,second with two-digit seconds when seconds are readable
12,30
